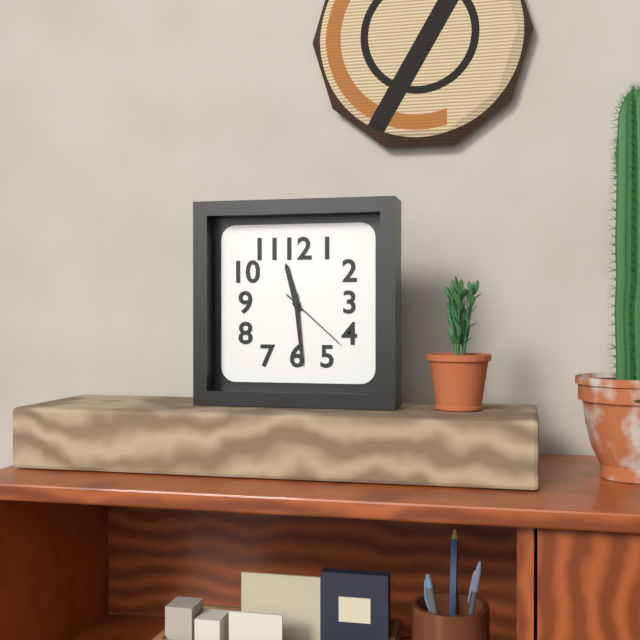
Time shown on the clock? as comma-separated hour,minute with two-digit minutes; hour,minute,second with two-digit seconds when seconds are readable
11,29,22
